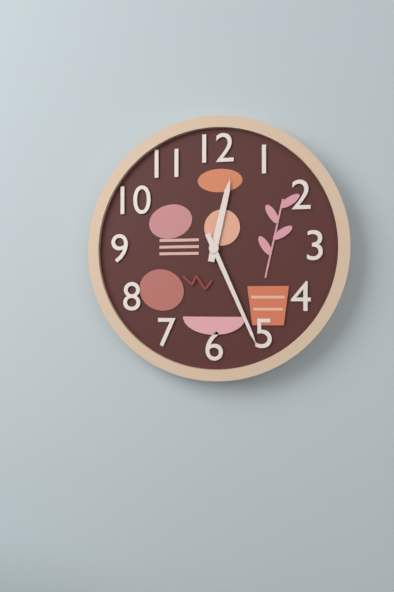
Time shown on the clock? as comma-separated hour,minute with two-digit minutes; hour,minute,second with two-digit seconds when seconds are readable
12,26
